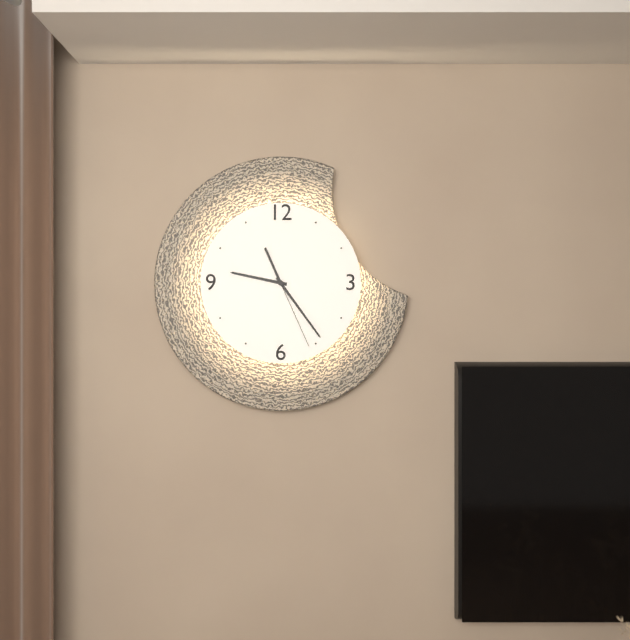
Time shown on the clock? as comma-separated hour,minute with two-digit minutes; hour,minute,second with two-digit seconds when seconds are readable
9,24,26
